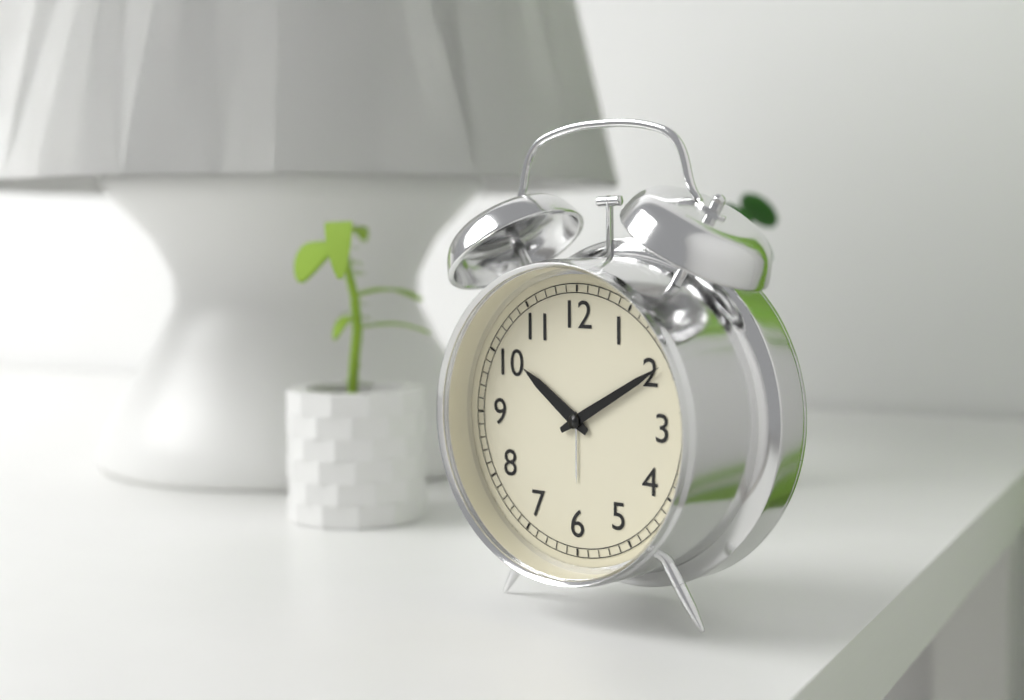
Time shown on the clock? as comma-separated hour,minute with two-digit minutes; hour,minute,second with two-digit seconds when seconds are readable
10,10
